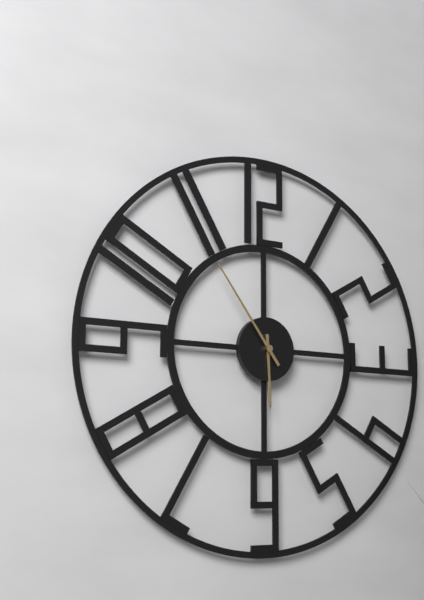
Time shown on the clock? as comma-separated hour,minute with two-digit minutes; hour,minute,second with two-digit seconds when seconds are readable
5,54
